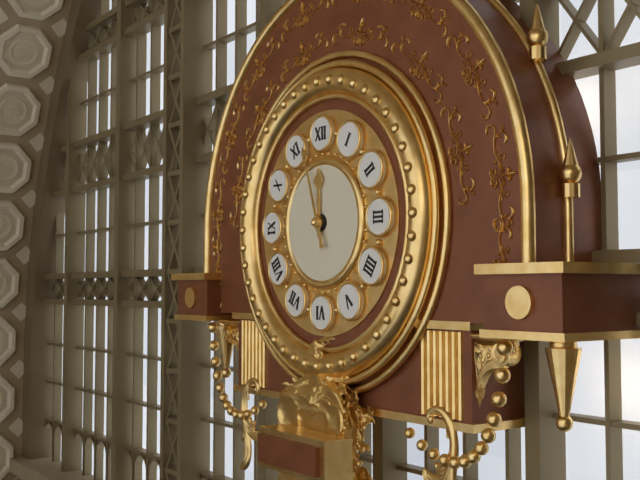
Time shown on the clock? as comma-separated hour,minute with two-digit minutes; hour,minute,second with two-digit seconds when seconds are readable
11,57
